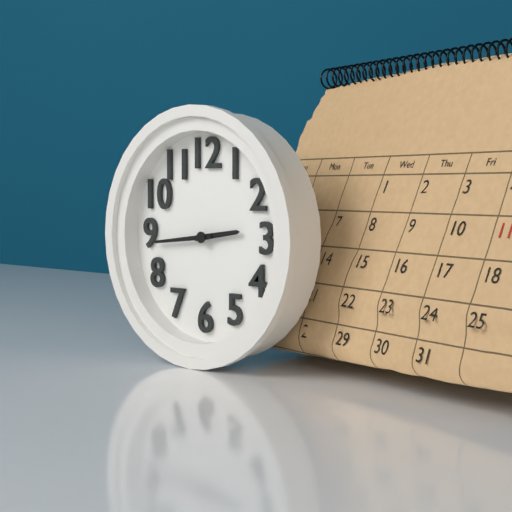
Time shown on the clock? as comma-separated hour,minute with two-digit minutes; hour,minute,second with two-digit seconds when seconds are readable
2,44
